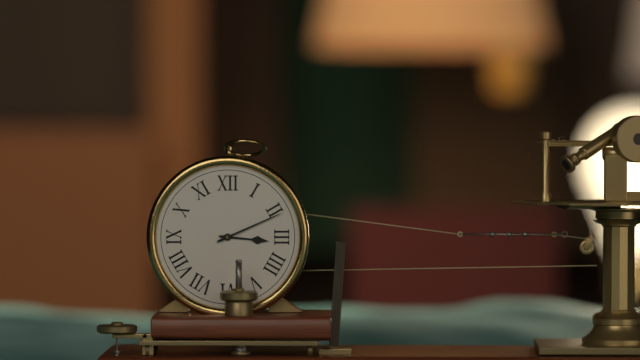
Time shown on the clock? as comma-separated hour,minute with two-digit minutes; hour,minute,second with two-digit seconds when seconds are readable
3,11
